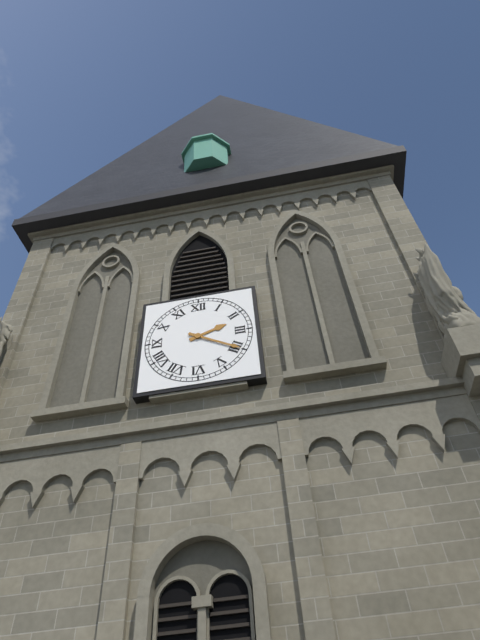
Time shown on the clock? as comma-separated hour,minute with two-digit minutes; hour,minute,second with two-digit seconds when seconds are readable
2,20
